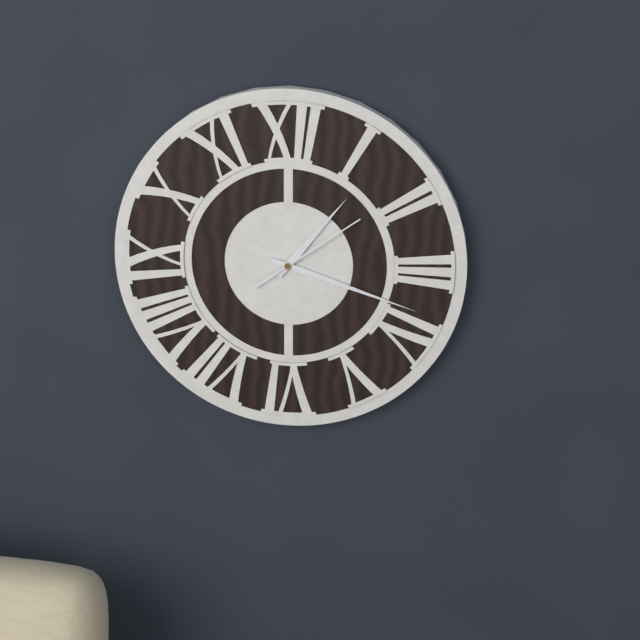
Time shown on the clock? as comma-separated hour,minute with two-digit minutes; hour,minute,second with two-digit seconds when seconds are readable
1,18,09
